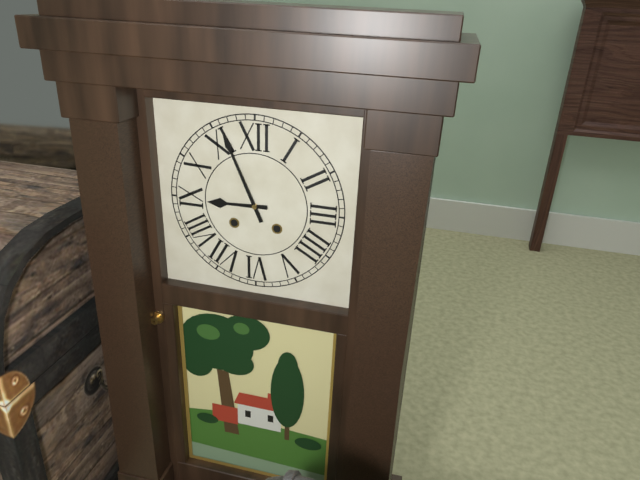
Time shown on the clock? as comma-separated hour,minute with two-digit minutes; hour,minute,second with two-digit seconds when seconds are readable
8,56
